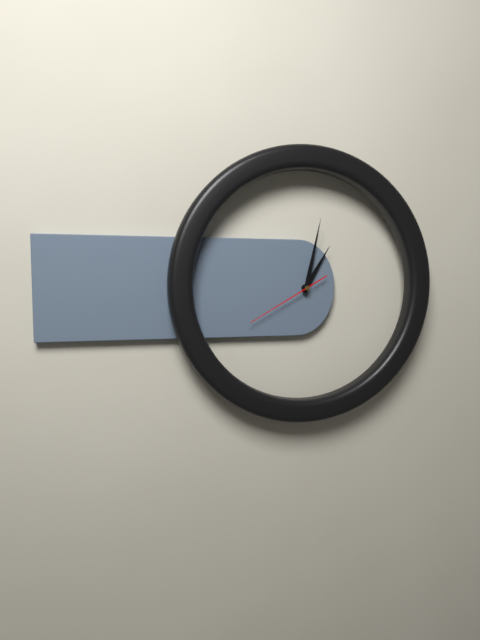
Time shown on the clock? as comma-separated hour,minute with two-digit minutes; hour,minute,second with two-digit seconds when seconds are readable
1,02,40
